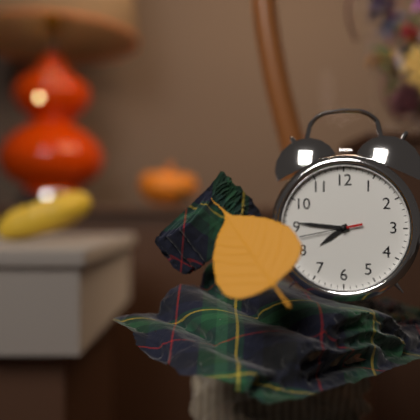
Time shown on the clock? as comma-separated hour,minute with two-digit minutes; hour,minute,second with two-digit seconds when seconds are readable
7,46,43
